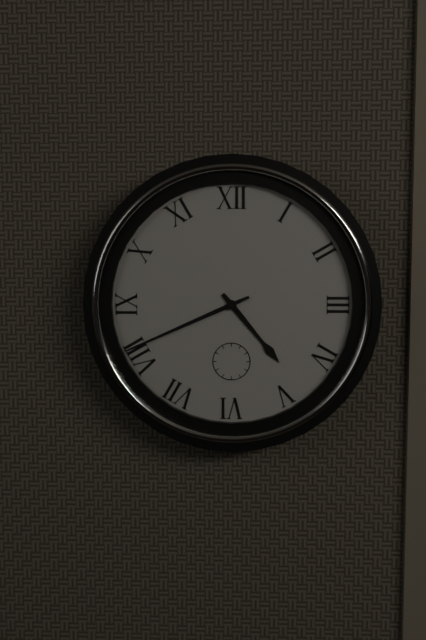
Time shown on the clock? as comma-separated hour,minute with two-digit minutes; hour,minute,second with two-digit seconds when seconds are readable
4,41
